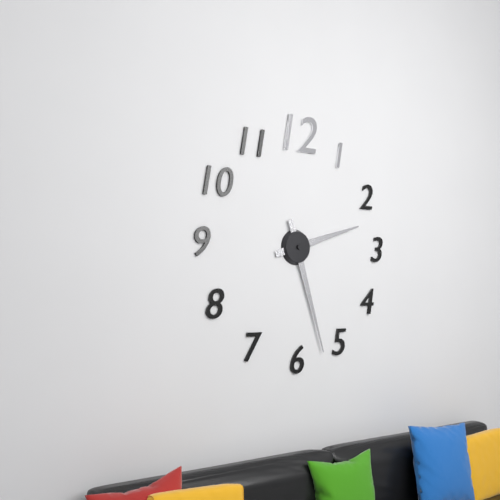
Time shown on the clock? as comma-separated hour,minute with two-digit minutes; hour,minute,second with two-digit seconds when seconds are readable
2,27
